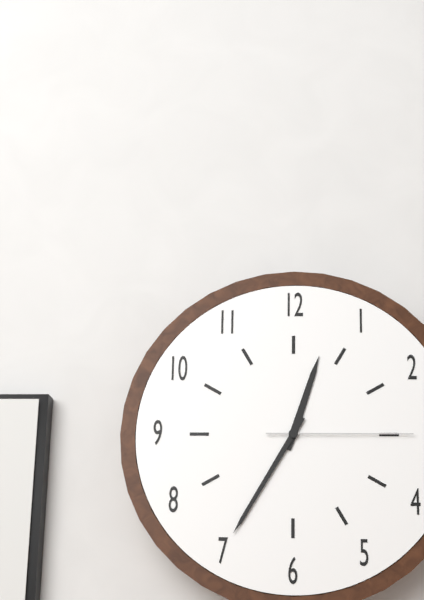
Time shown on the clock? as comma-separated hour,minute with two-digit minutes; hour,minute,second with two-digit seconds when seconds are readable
12,35,15
